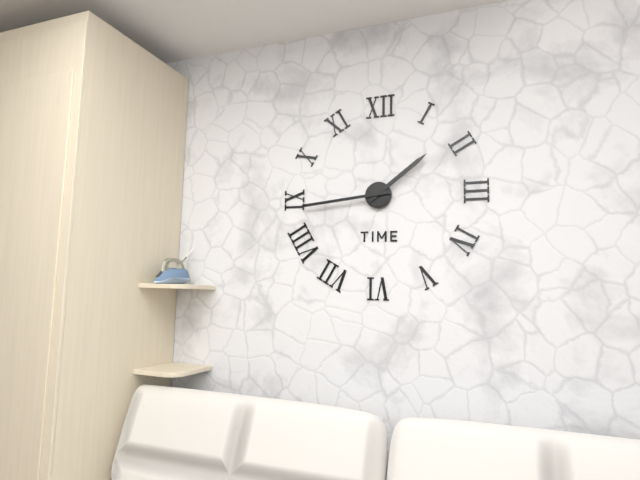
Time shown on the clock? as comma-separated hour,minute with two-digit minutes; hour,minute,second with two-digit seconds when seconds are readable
1,44
